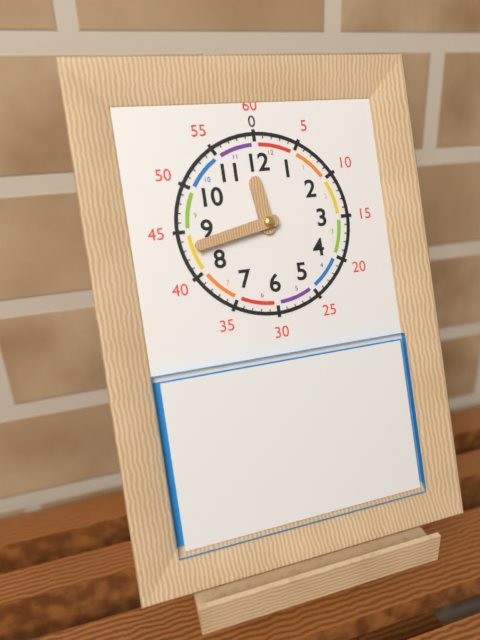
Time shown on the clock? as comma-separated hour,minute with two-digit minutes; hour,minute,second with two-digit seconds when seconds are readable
11,43
